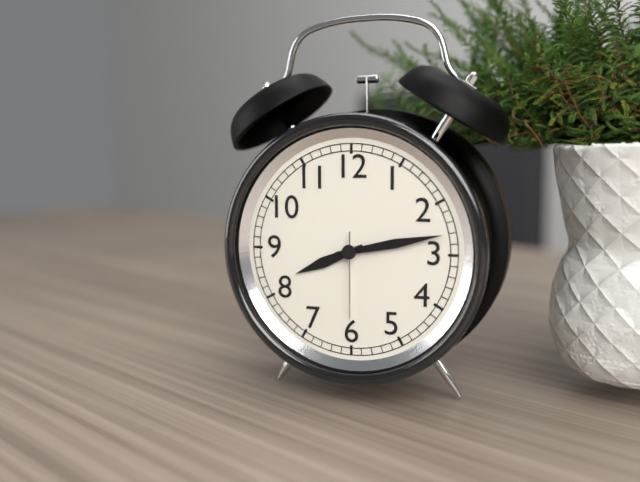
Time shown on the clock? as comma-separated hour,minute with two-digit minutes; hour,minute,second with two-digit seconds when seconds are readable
8,13,30
